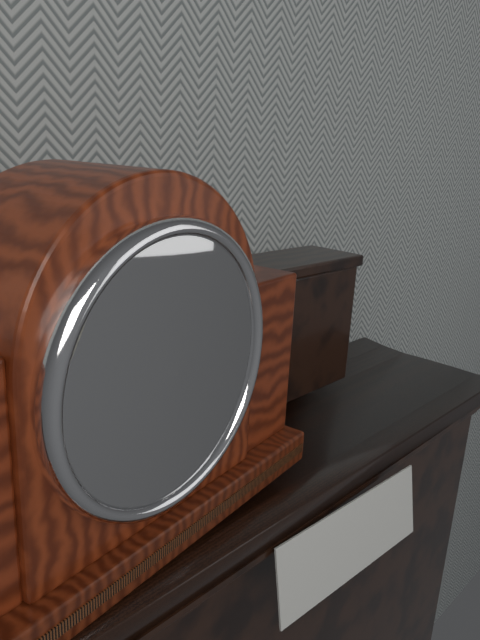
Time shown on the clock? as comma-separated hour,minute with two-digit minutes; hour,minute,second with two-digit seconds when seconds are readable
5,34
